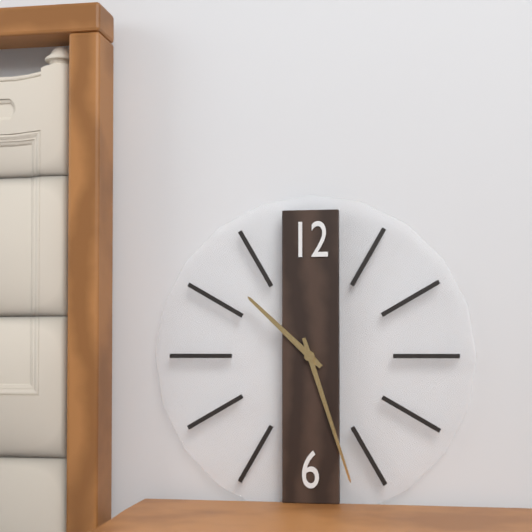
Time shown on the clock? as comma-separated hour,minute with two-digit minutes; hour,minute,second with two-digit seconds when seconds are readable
10,27
